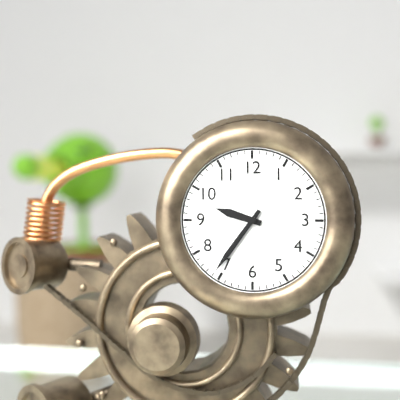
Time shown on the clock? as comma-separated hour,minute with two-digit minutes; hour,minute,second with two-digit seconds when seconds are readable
9,36
